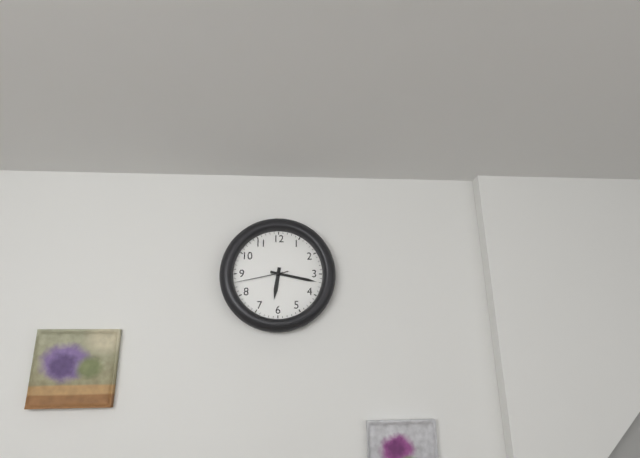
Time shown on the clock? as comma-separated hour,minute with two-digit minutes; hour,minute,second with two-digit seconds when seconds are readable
6,17,43
